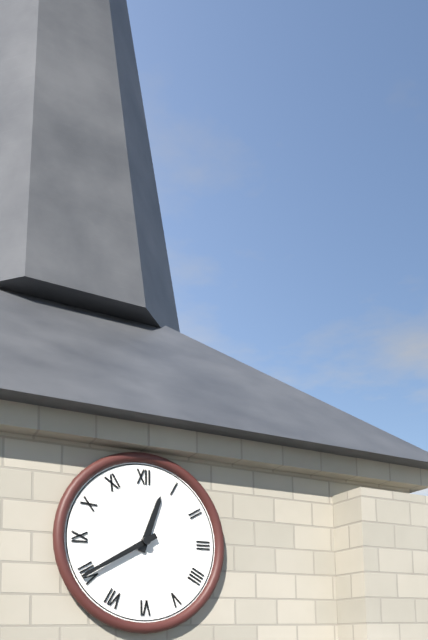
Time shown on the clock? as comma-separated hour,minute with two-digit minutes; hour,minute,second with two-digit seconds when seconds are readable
12,40
